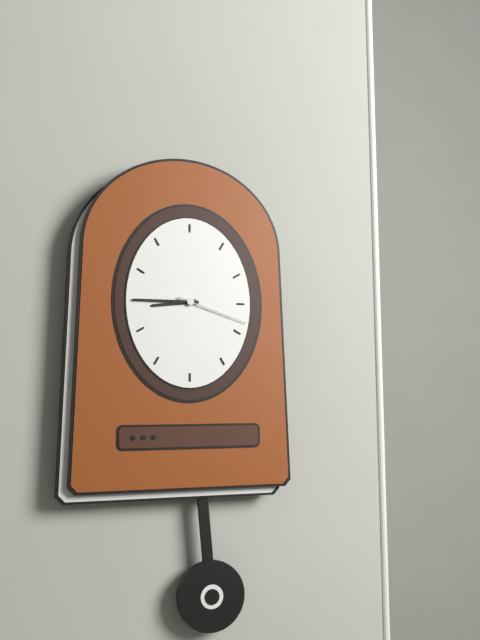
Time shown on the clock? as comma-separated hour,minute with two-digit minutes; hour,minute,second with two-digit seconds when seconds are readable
8,45,18
